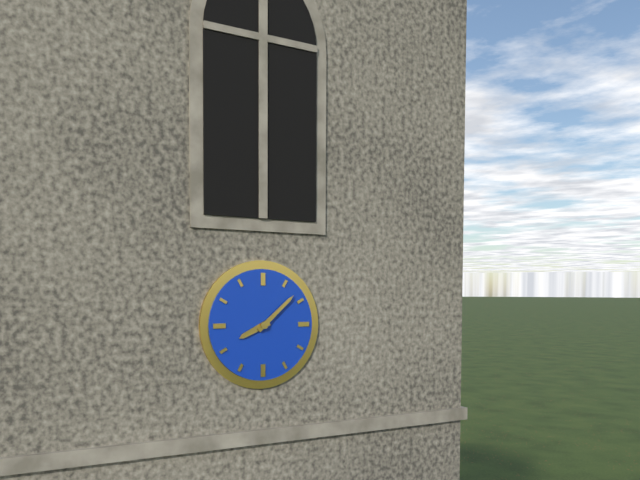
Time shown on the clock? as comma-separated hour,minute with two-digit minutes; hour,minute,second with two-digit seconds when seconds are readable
8,08
